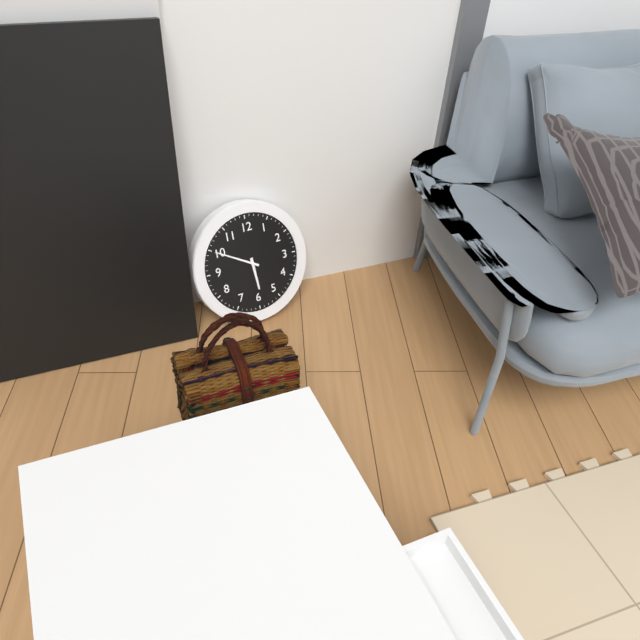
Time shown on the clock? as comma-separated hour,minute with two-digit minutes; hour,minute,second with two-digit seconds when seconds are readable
5,50
